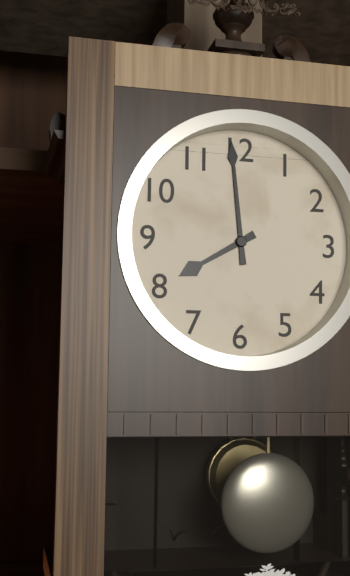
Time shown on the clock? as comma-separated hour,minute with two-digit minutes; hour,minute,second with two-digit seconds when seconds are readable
7,59
